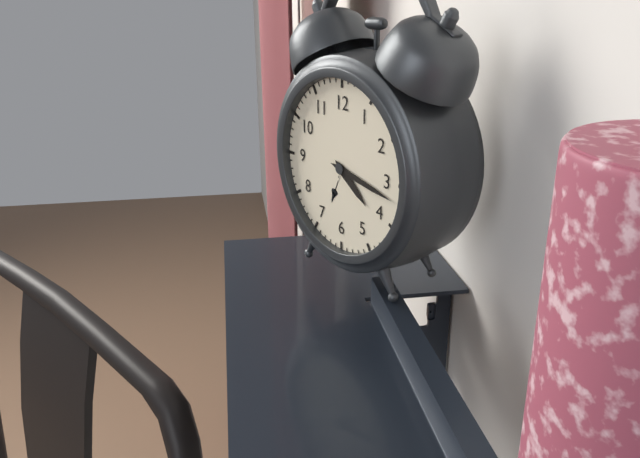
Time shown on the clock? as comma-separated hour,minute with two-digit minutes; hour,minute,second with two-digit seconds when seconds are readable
4,17
